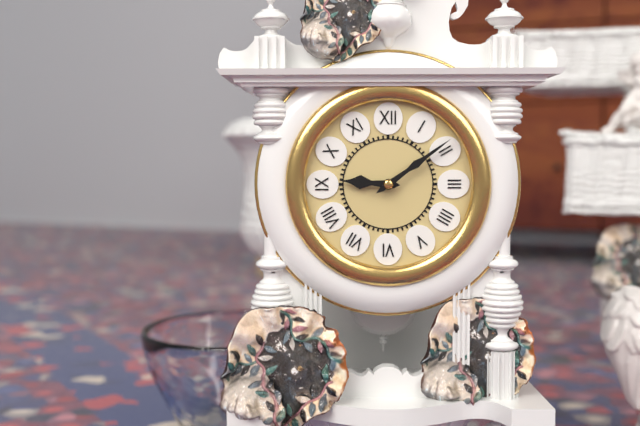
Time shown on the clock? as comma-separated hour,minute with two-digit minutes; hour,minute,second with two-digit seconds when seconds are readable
9,09
